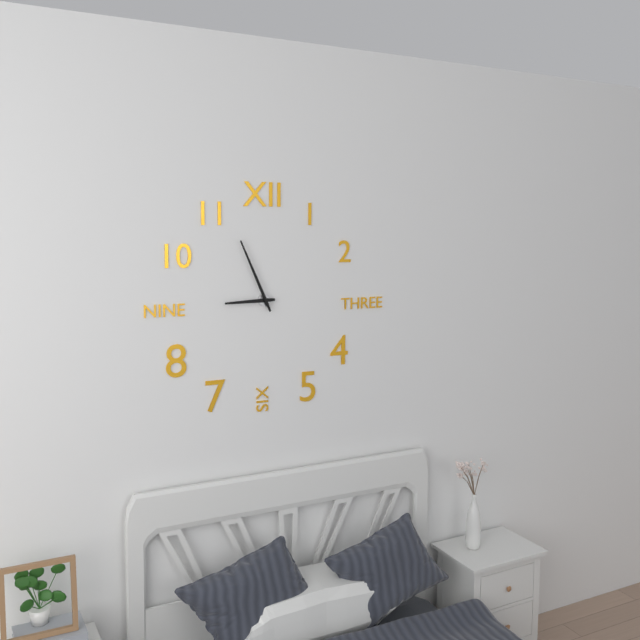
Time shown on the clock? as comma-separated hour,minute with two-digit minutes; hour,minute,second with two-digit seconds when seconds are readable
8,56
